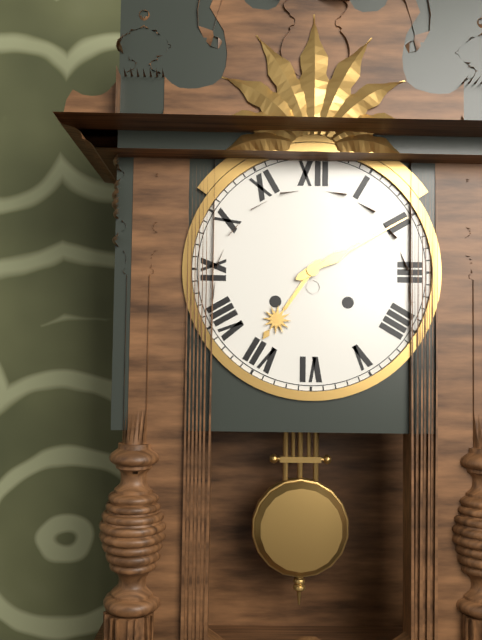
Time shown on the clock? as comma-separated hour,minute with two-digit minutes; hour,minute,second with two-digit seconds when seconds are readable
7,10
